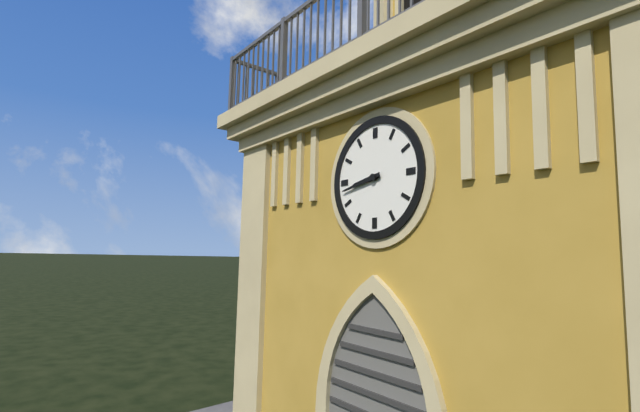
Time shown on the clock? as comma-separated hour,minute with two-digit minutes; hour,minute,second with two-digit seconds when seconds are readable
8,43
